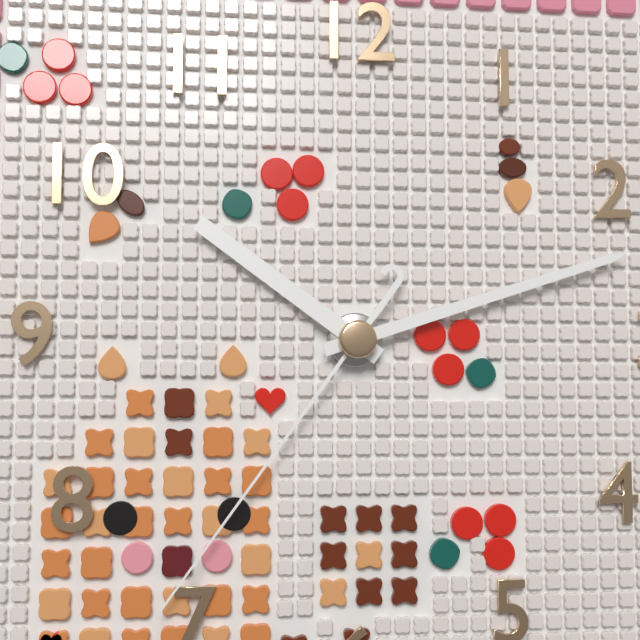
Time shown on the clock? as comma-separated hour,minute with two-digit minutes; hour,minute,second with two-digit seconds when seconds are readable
10,12,36
